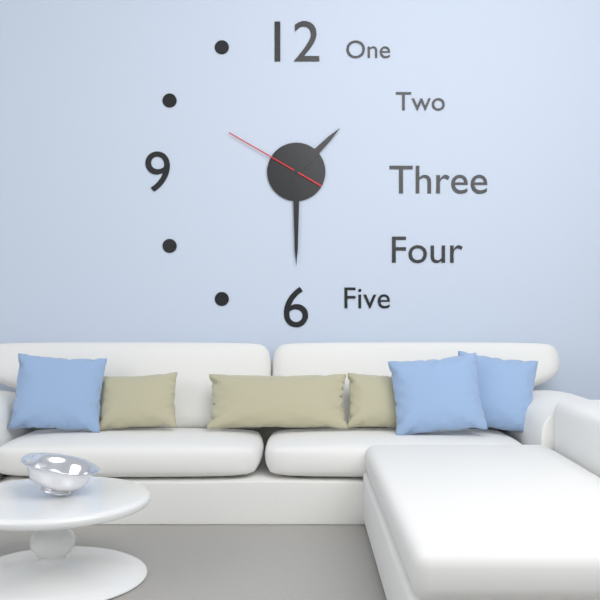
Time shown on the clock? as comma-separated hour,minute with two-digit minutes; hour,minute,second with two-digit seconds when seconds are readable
1,30,50
